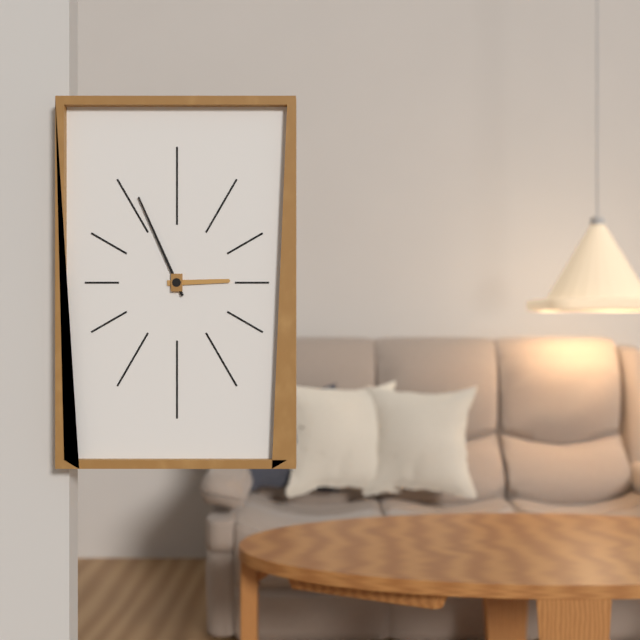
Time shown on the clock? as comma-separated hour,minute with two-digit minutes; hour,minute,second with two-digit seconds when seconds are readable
2,56
